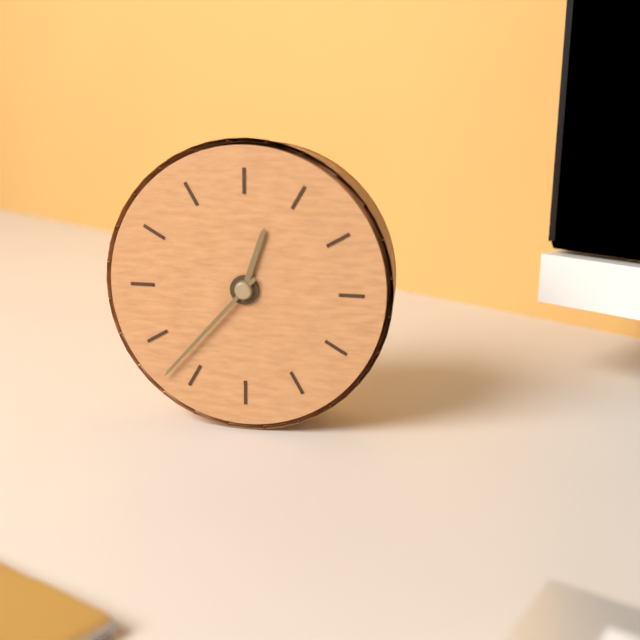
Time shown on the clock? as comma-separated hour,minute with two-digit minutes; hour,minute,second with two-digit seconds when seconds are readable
12,37
